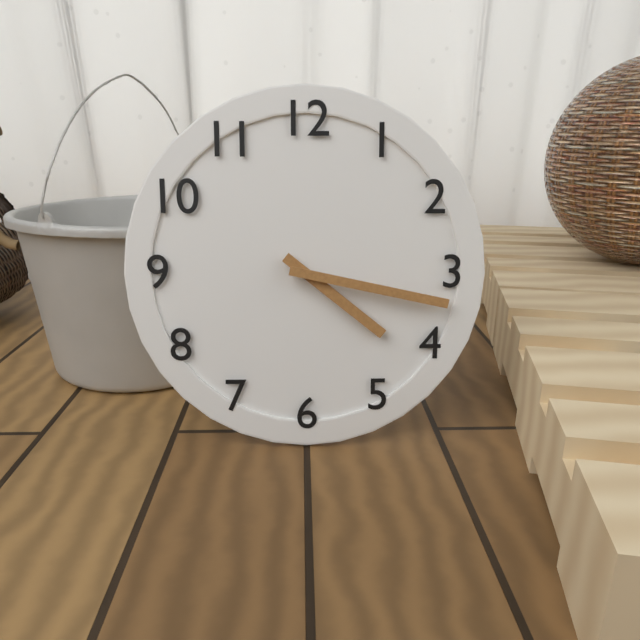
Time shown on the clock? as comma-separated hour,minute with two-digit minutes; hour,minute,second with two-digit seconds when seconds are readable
4,17
